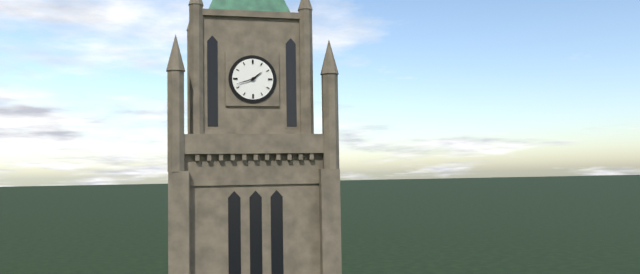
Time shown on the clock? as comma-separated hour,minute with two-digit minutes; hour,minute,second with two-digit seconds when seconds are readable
1,42
